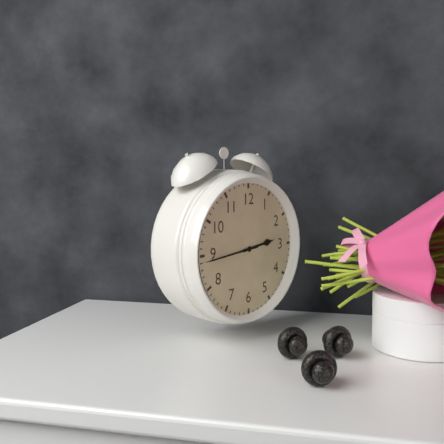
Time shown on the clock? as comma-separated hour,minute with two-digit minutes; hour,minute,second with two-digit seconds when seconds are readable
2,44
